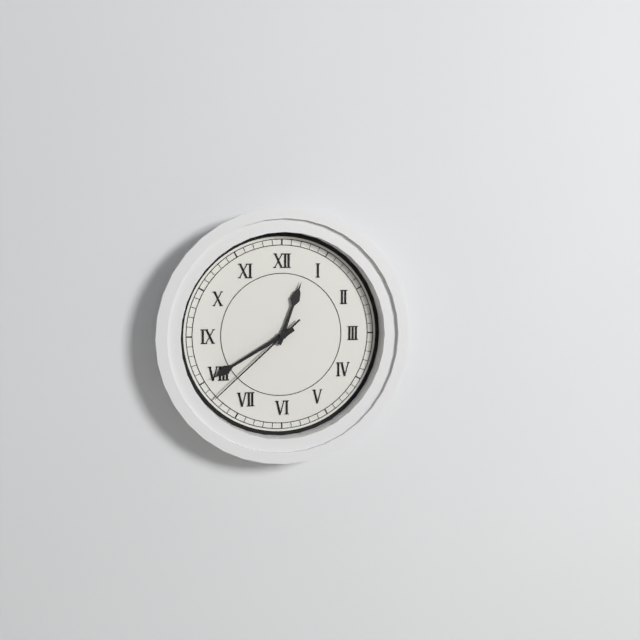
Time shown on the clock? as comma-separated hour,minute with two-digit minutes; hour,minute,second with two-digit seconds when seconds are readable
12,40,38
